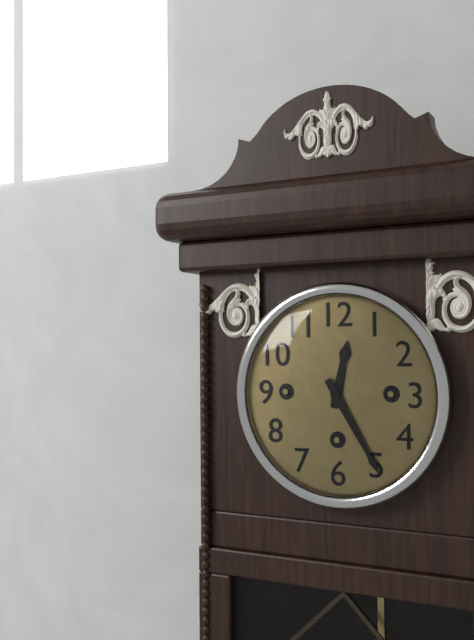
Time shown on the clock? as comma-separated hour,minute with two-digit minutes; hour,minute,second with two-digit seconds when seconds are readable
12,25
